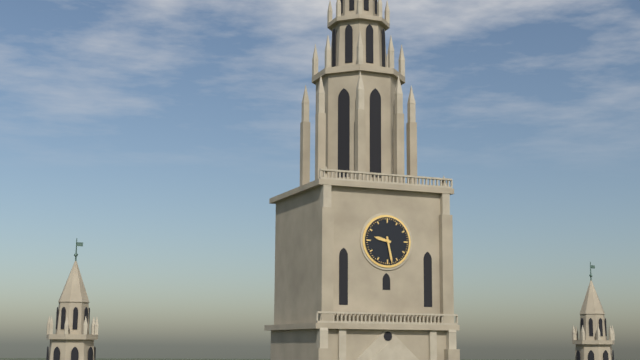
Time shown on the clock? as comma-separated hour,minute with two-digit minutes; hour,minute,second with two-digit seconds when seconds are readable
9,28
